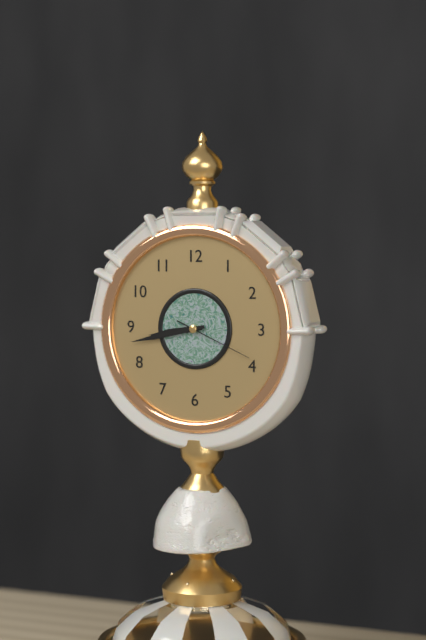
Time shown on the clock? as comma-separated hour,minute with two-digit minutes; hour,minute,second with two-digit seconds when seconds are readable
8,43,19
